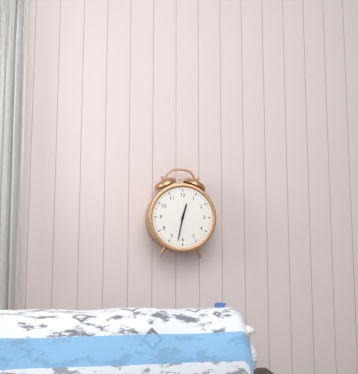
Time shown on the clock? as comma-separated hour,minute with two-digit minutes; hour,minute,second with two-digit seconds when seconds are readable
12,32
